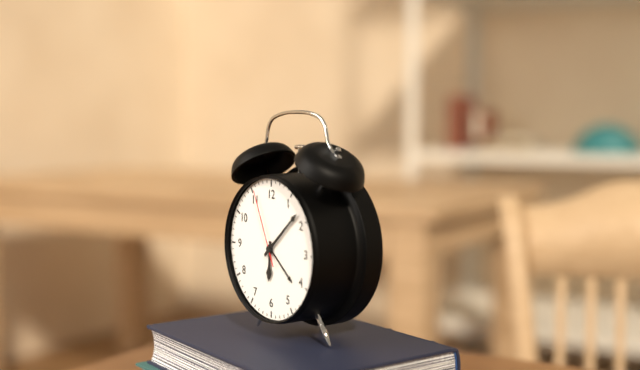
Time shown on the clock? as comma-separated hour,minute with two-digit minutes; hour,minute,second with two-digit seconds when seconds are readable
6,08,56
